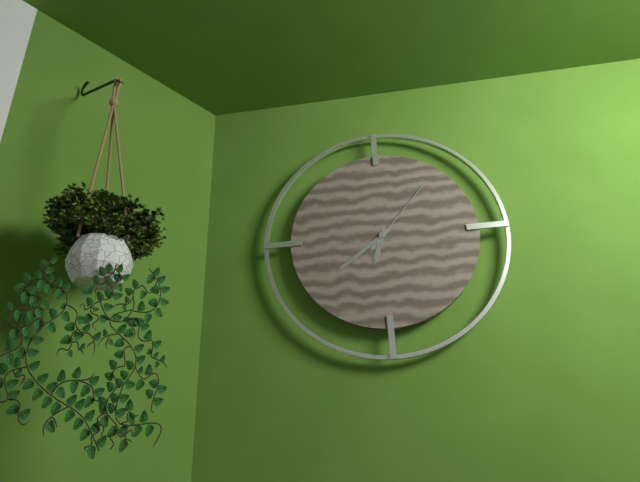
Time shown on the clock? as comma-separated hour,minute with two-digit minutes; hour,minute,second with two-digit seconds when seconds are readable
6,39,07
